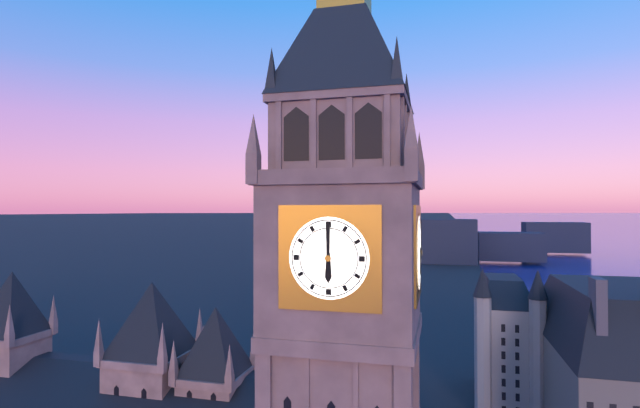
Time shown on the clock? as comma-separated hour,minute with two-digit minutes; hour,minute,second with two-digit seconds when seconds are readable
6,00
